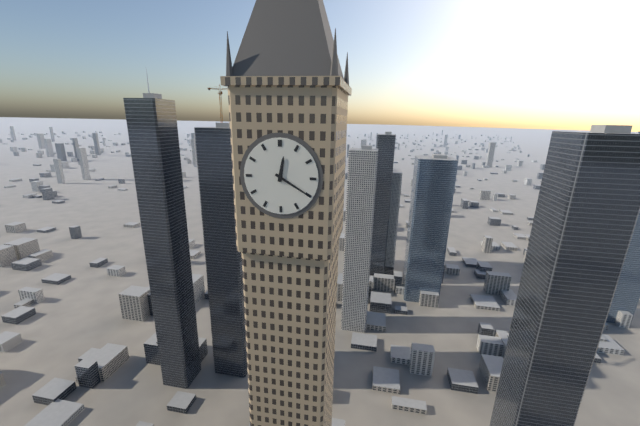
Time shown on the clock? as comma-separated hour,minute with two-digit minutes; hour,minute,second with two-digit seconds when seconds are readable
12,20
